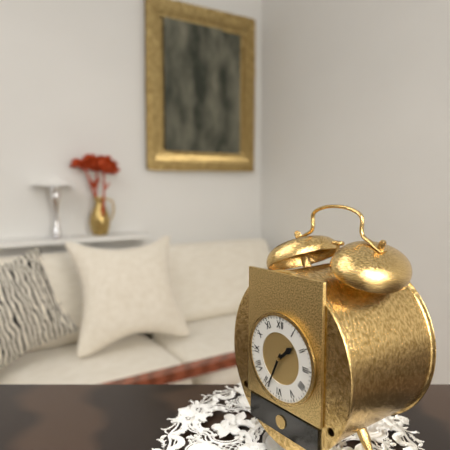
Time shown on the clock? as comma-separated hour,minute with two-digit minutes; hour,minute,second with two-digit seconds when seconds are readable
1,34
